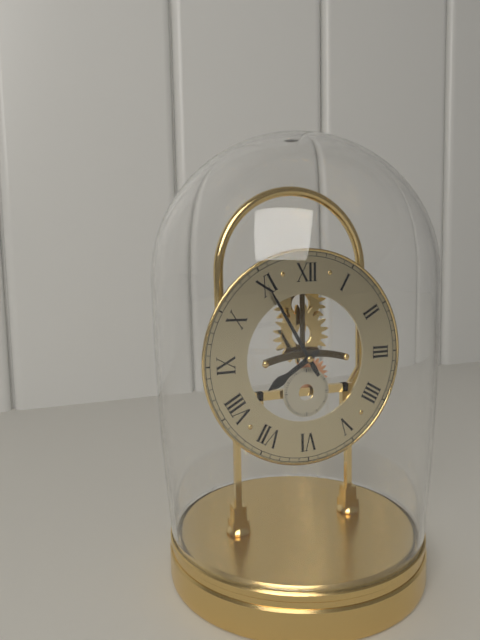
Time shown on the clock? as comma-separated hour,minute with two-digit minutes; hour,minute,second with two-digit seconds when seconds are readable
7,55
